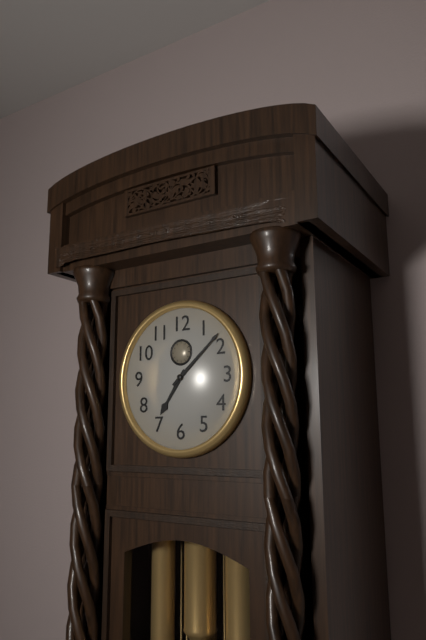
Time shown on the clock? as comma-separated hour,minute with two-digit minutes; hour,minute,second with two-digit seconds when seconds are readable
7,08
